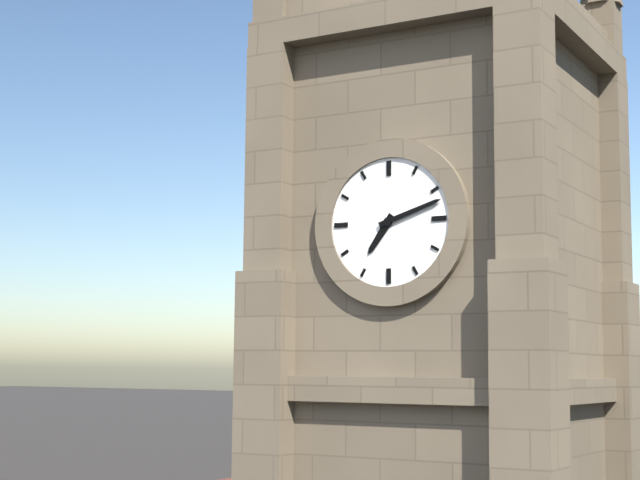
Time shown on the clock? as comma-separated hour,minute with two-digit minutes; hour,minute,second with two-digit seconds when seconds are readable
7,12
